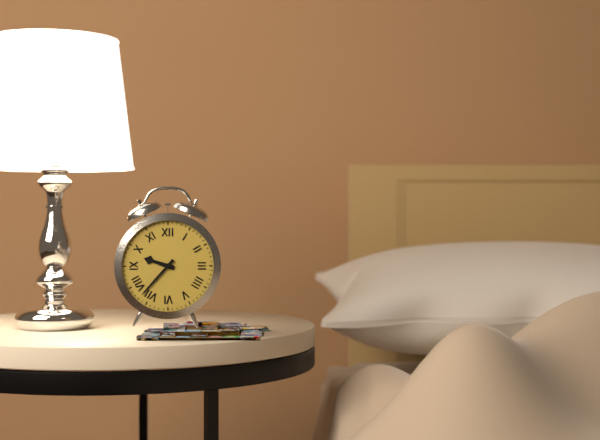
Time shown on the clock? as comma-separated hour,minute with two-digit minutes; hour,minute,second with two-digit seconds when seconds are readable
9,37
